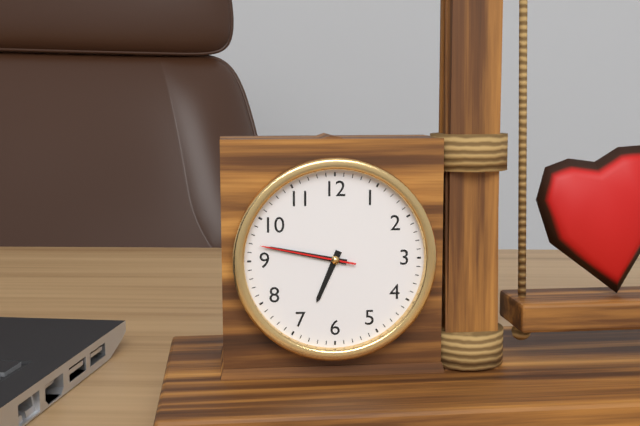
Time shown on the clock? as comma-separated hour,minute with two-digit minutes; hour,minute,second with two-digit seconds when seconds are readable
6,47,47
